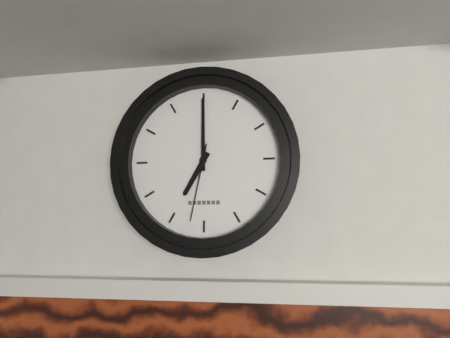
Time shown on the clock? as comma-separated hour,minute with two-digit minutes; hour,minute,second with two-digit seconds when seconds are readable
7,00,32
